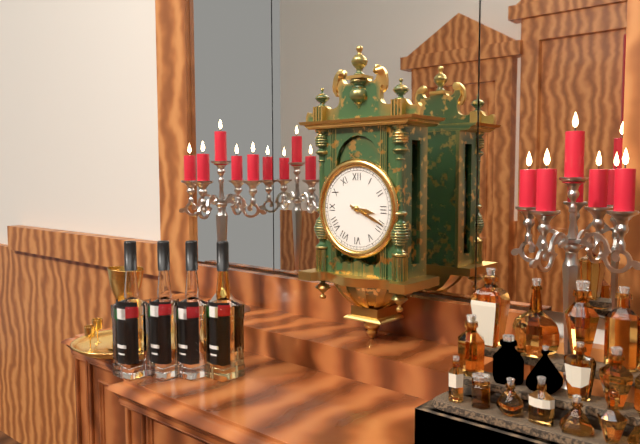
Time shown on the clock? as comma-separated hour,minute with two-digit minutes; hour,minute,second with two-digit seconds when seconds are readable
3,19
